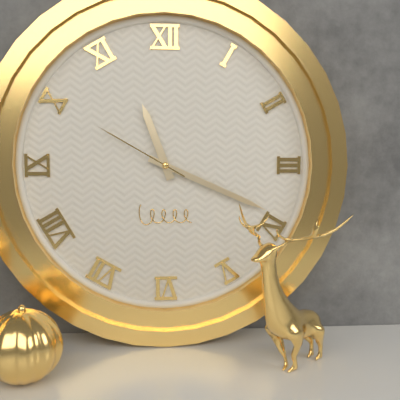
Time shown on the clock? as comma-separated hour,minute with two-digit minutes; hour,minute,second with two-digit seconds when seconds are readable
11,19,50
